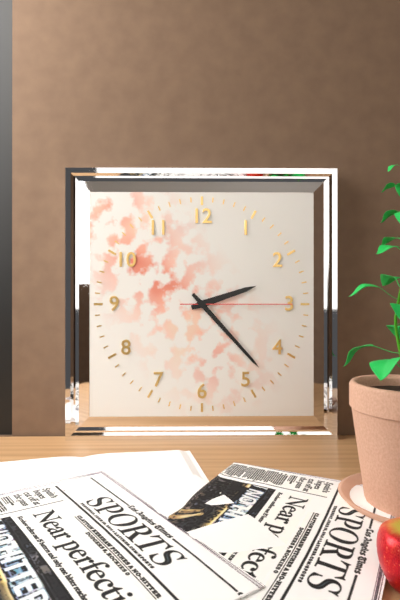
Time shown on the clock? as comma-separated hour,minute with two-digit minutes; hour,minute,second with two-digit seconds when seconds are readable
2,23,15
